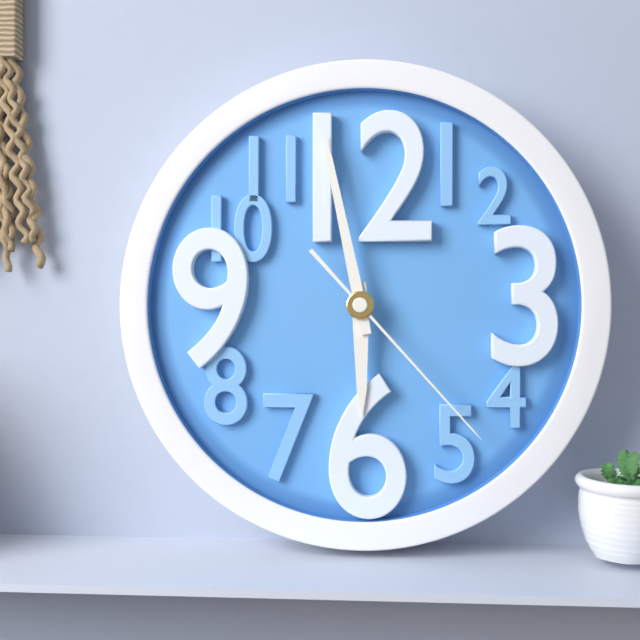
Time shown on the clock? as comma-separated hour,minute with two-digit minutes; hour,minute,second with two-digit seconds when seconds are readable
5,58,23
